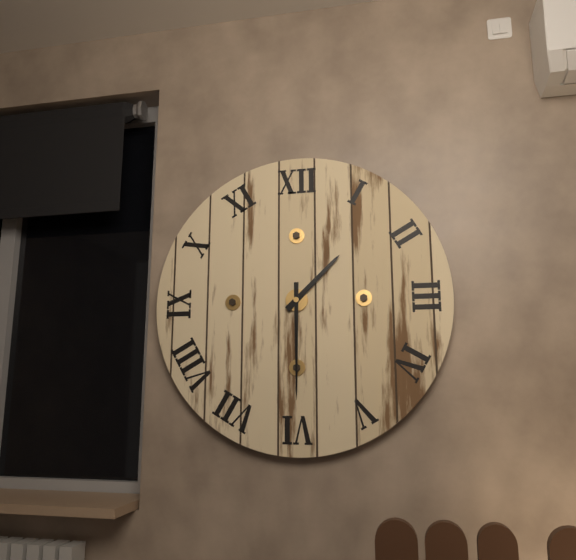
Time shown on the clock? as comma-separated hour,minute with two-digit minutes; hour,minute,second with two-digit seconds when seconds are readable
1,30
